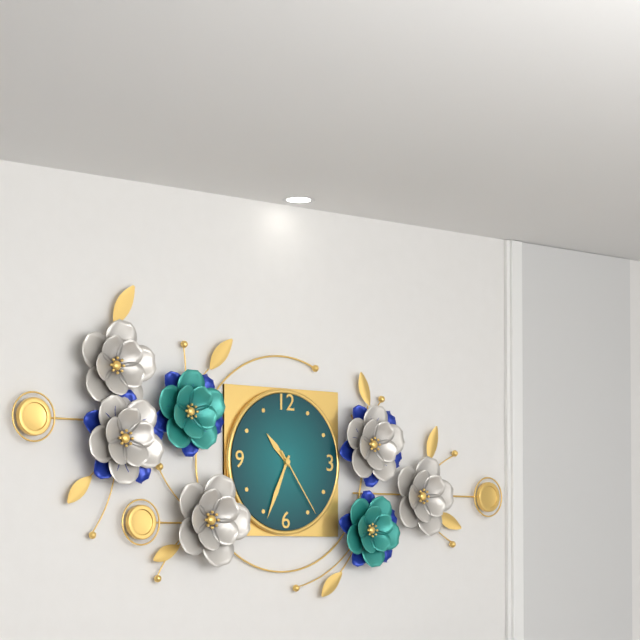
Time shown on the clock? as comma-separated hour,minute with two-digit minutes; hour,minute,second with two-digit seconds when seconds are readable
10,34,24
